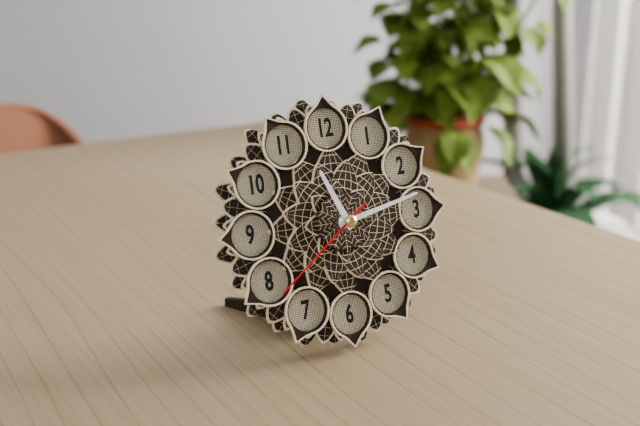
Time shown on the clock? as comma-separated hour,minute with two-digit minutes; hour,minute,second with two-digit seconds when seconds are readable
11,13,39
